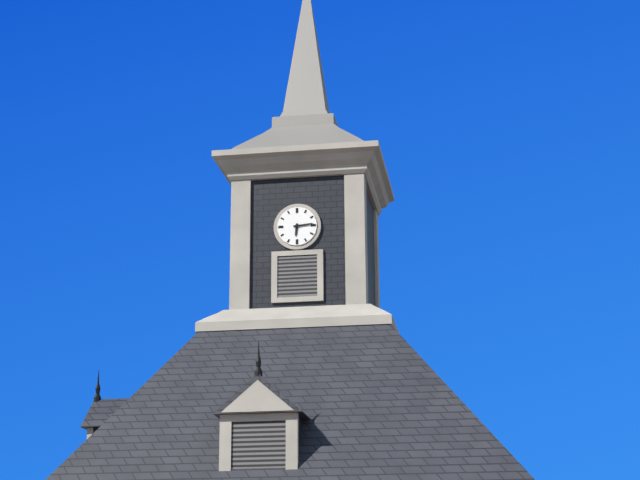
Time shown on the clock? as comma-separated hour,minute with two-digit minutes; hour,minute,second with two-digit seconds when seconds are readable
6,14
